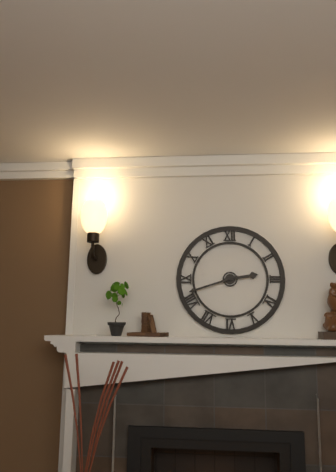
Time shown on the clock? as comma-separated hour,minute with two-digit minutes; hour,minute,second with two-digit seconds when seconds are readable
2,42
